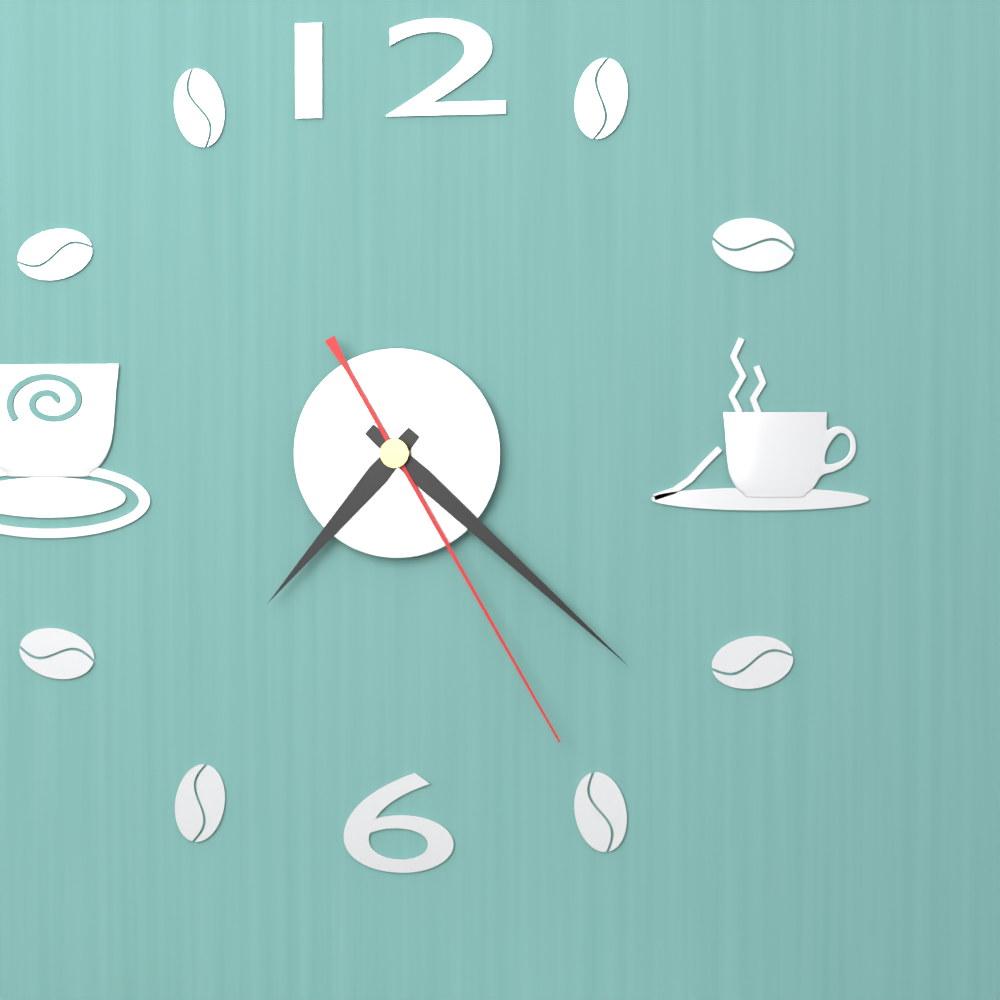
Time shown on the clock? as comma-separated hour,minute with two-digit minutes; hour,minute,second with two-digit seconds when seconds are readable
7,22,25
